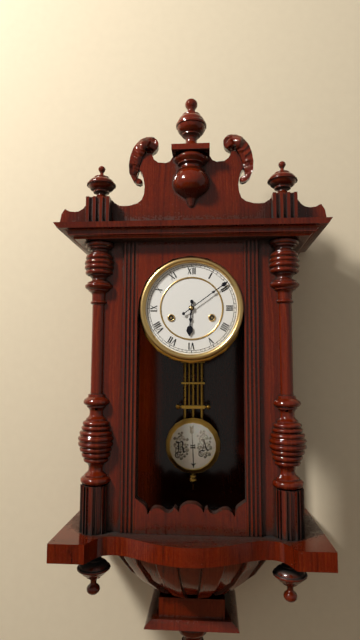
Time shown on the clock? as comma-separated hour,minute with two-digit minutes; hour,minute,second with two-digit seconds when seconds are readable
6,09
